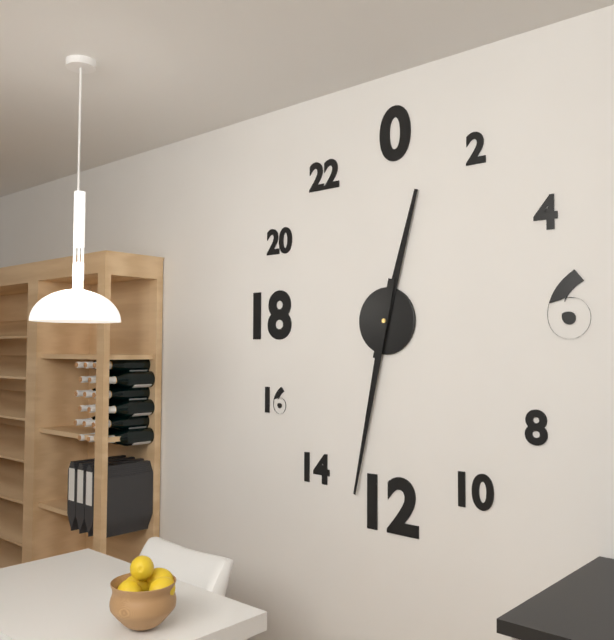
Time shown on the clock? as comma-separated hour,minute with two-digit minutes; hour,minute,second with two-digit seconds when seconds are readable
12,32
